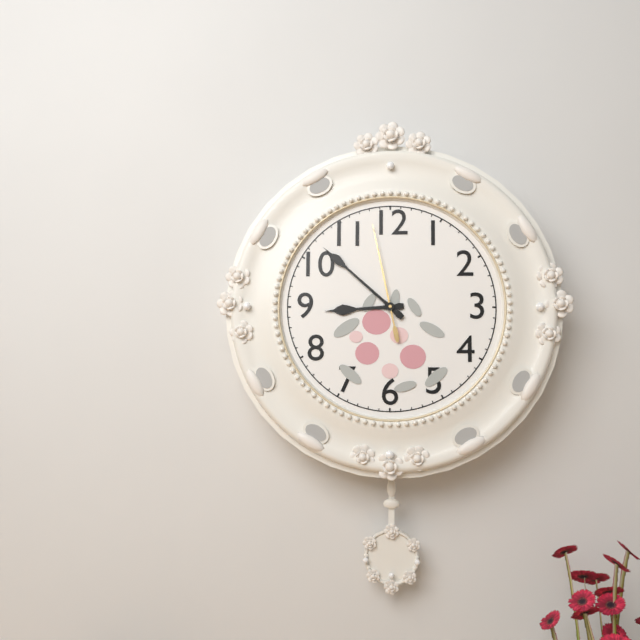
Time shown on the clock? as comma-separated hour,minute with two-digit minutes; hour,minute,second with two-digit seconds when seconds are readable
8,52,58
